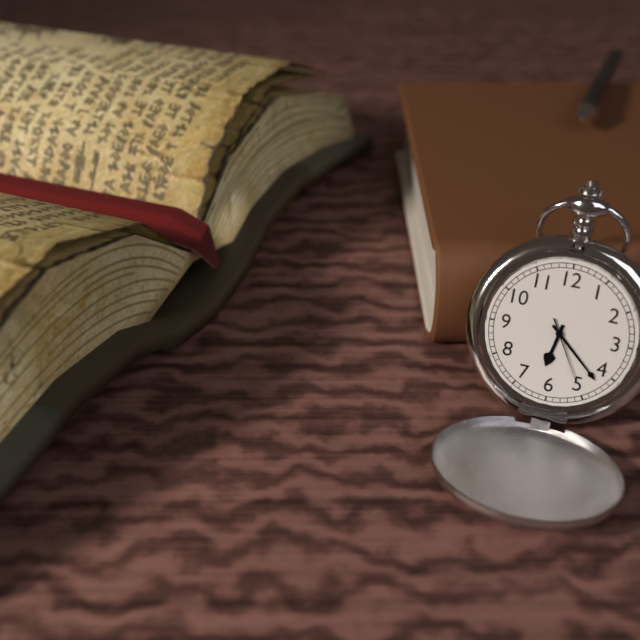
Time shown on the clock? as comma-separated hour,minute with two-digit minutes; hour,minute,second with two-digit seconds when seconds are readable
6,22,25
